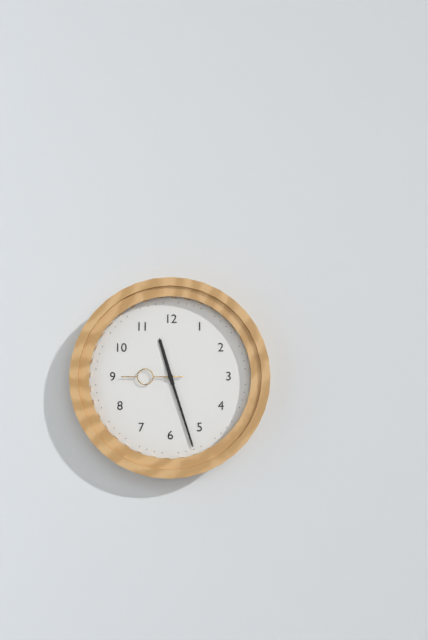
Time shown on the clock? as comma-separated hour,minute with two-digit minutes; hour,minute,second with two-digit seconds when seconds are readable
11,27,45
